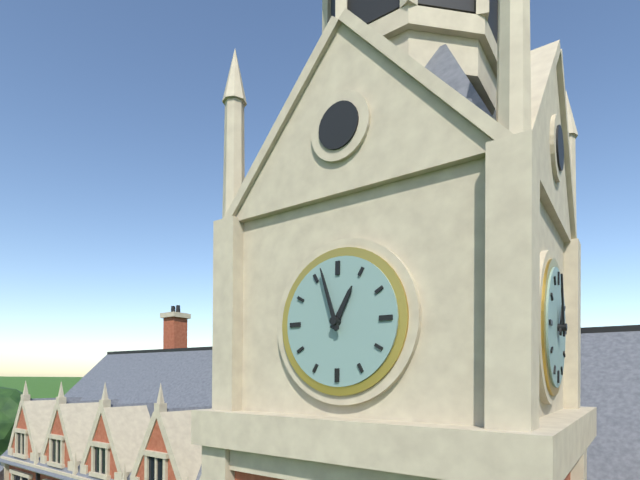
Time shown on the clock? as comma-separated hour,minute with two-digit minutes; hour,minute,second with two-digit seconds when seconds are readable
12,57
